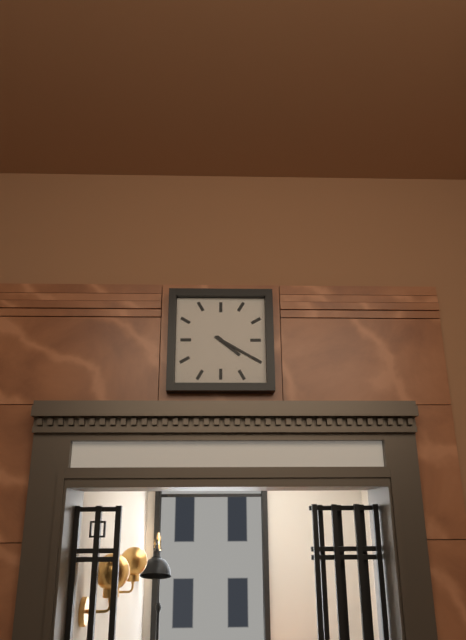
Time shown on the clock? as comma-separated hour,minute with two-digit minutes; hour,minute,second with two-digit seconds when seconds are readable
4,20
